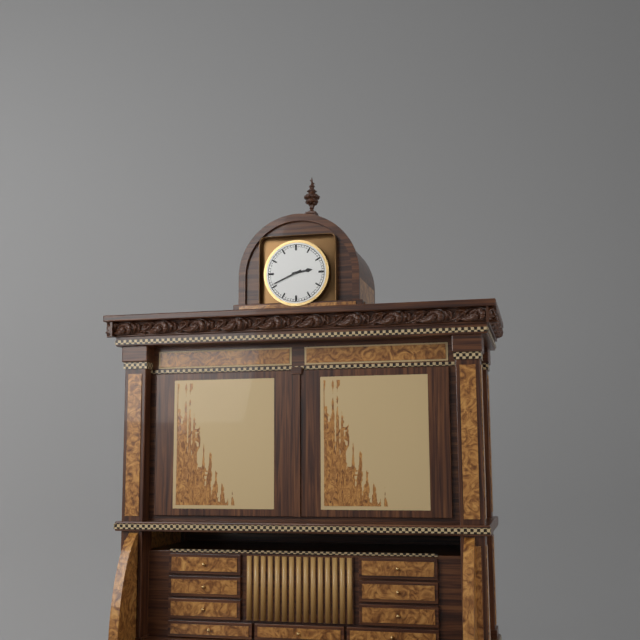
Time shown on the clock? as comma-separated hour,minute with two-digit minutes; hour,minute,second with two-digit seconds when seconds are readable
2,41
